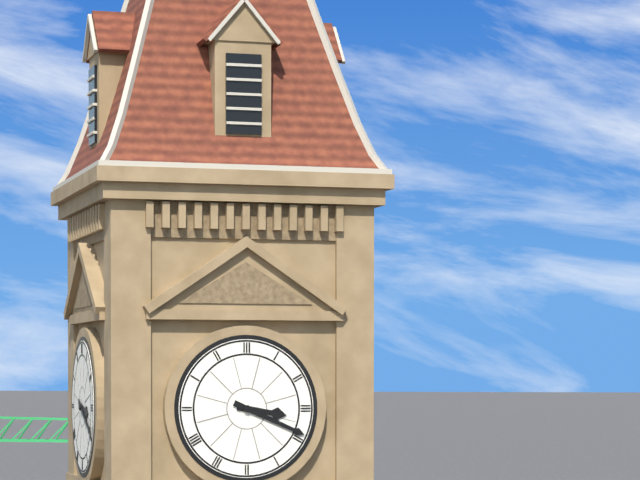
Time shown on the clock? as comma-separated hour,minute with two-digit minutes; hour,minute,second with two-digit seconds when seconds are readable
3,19
